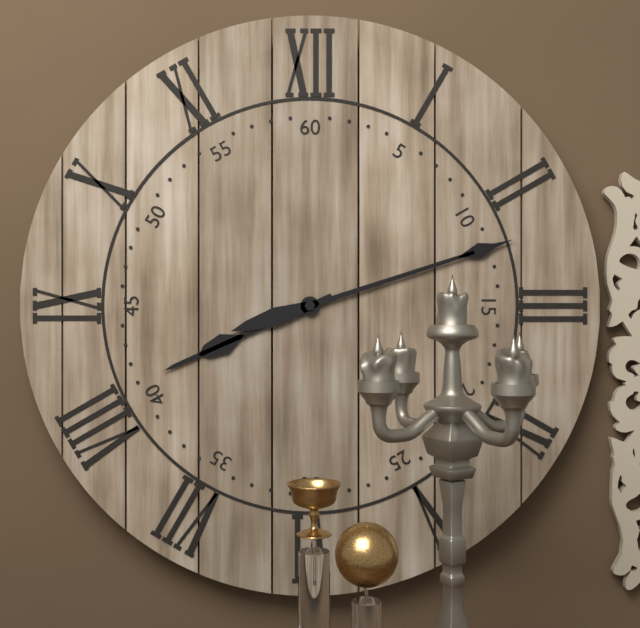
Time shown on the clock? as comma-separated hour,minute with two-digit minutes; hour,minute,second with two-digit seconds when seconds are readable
8,12
